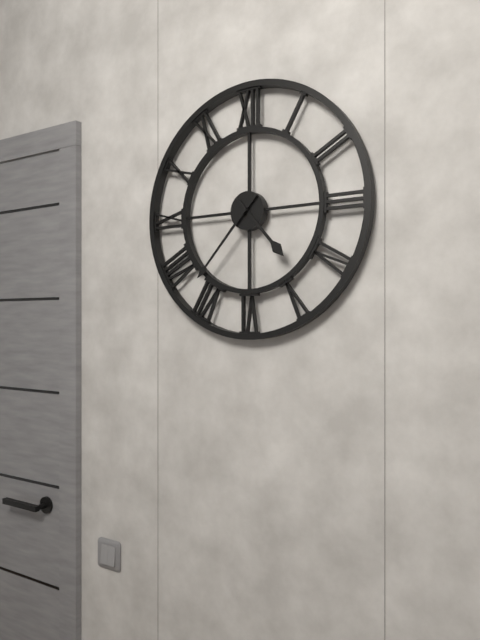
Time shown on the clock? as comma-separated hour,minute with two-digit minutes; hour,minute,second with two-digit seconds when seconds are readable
4,37
